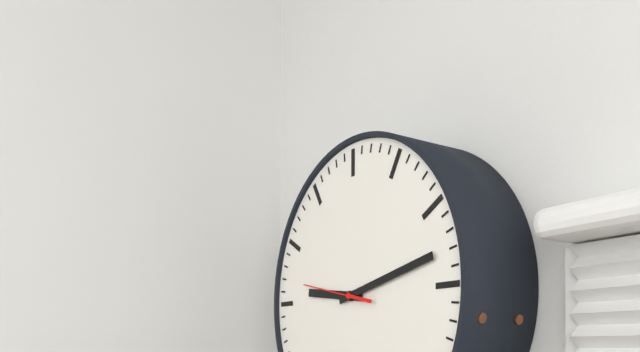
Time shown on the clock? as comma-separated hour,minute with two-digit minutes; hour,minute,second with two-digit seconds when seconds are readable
9,13,47
